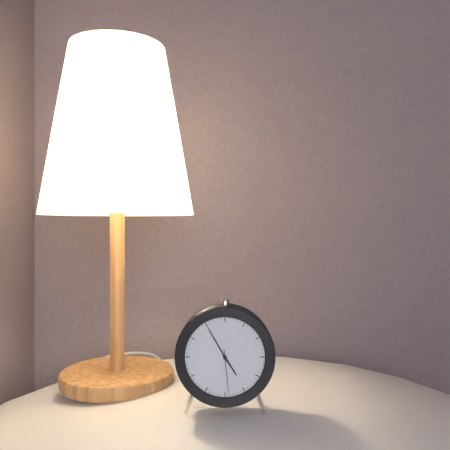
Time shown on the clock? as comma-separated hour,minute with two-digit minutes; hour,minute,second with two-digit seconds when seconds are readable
4,55
